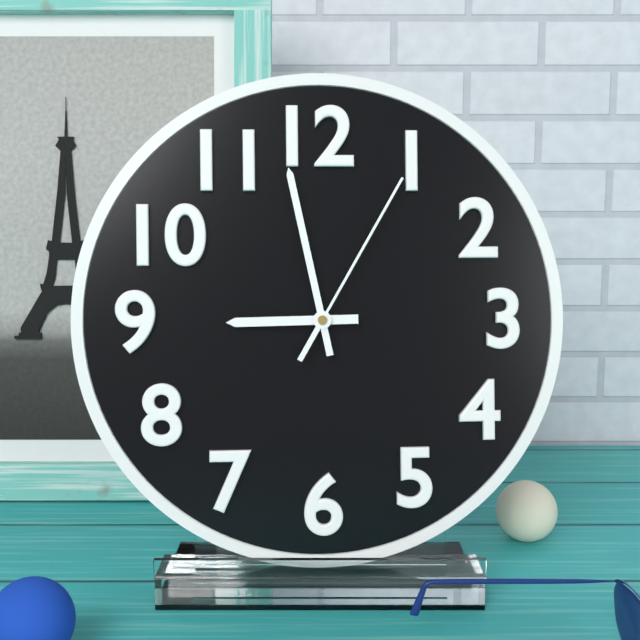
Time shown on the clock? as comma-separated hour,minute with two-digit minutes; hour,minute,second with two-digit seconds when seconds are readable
8,58,05
